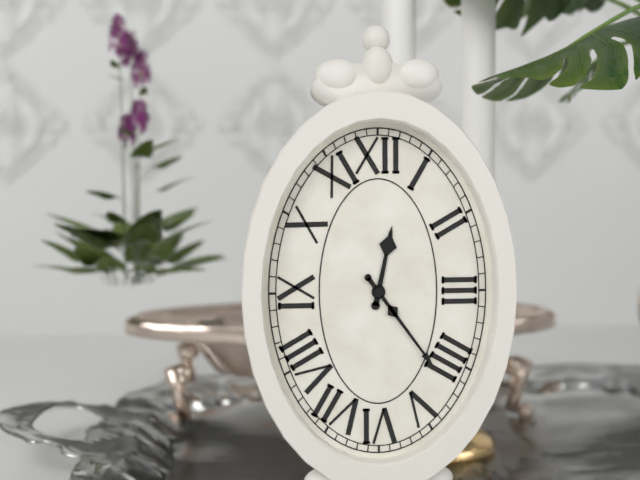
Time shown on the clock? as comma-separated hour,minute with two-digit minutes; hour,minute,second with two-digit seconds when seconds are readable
12,24
